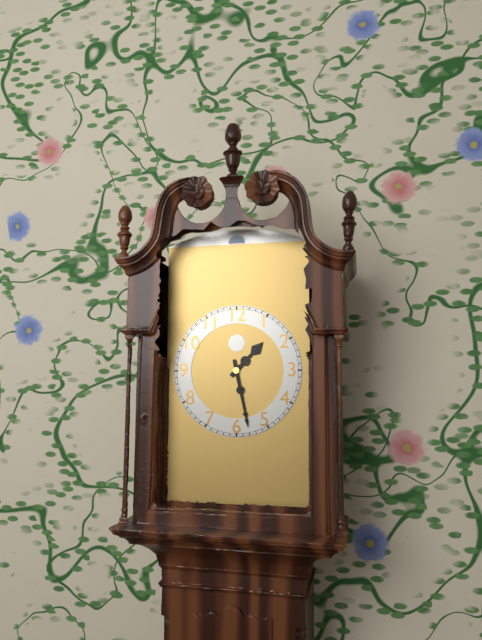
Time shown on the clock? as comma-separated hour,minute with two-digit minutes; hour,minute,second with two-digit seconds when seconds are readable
1,28
